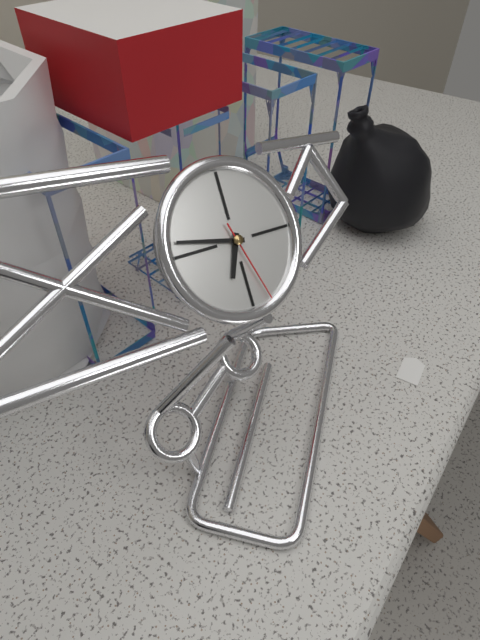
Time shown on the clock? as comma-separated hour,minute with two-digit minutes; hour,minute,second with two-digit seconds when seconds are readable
6,47,27
